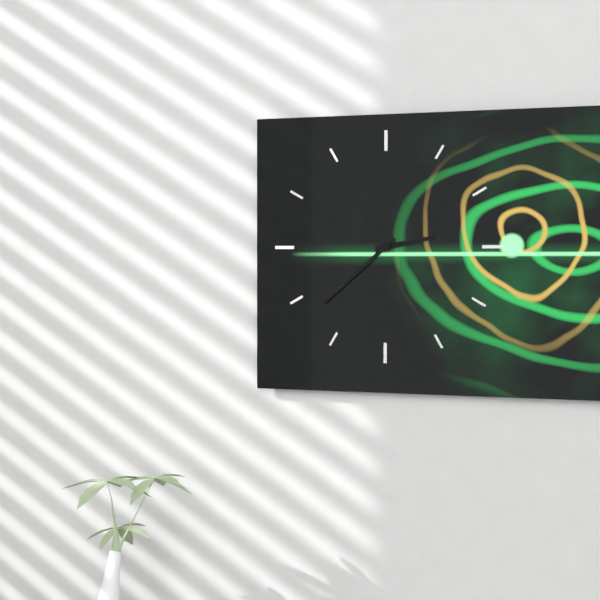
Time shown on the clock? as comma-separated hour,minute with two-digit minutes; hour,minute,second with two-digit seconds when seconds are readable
2,38
